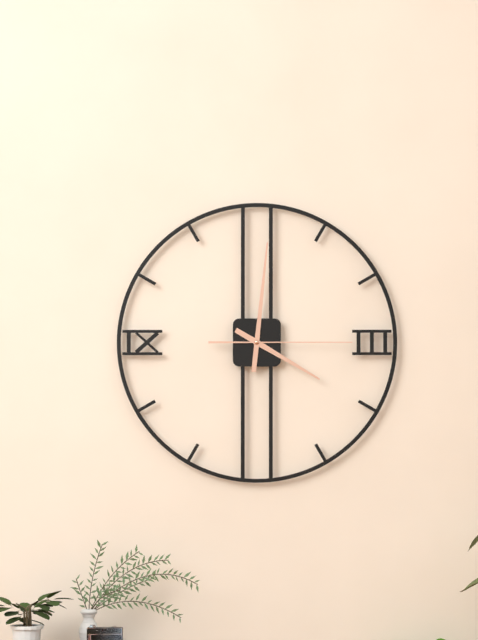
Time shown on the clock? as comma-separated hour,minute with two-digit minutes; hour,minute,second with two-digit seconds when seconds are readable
4,01,15
